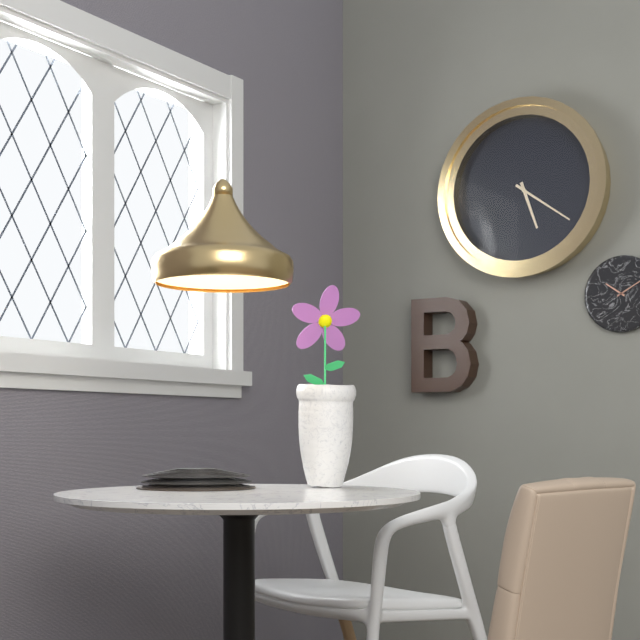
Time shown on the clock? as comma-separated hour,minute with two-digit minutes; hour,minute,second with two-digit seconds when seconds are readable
5,21
